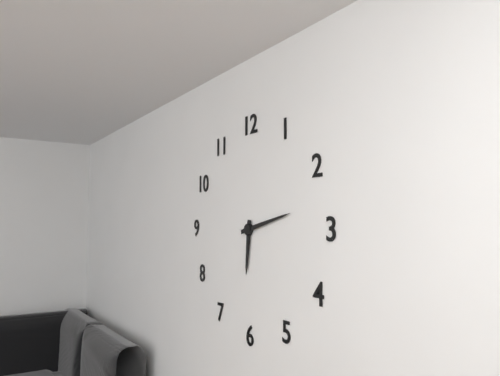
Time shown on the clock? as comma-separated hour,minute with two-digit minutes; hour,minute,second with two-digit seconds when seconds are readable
6,13
